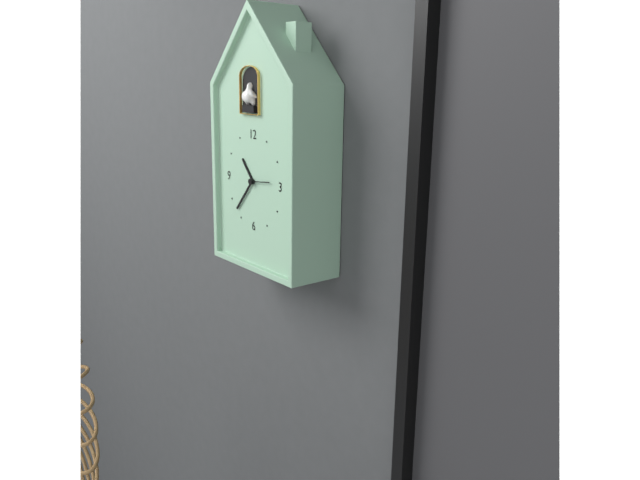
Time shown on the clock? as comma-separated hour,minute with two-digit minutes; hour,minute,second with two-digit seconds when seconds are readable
10,37
